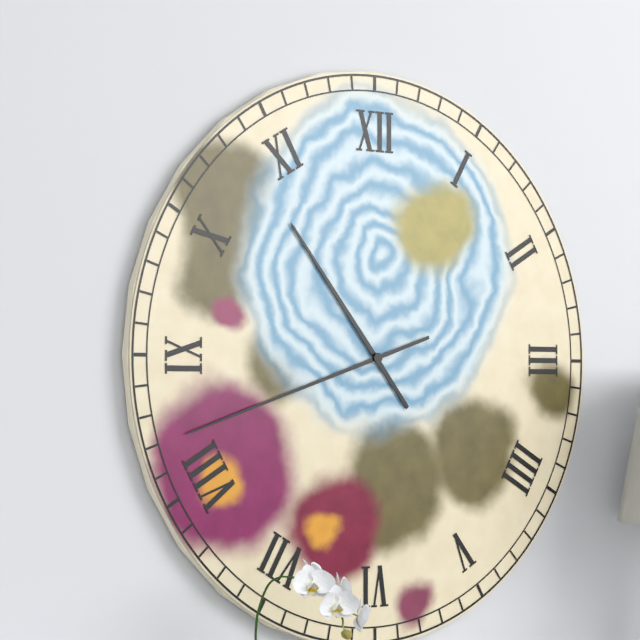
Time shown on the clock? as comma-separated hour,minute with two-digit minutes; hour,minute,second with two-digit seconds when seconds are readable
10,42
